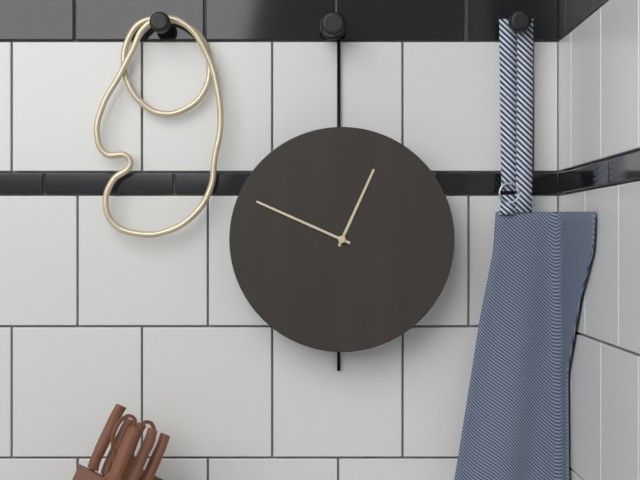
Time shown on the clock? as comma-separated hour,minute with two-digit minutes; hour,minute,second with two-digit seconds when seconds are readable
12,49
